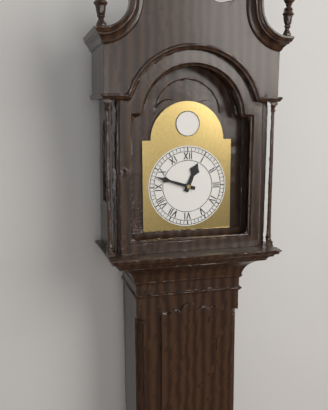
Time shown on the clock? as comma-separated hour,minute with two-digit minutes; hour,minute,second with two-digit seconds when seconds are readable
12,48
